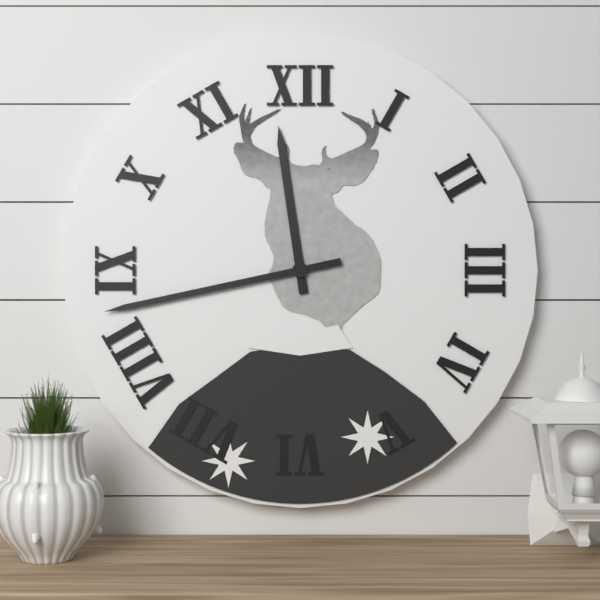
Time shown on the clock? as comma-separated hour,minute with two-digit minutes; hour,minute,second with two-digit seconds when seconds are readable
11,43
